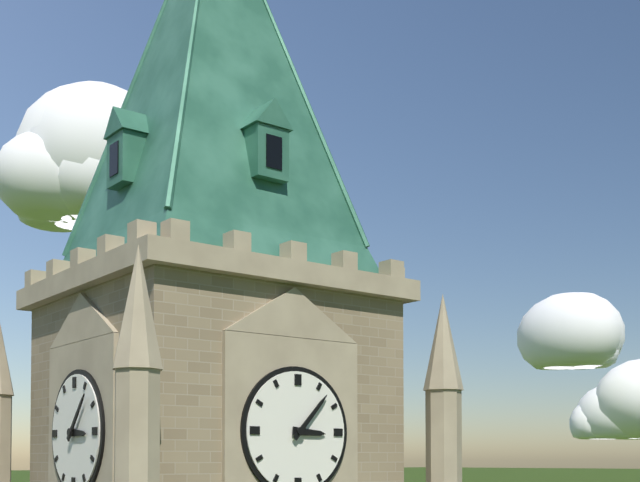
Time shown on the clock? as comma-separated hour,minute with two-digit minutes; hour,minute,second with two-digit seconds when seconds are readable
3,07
